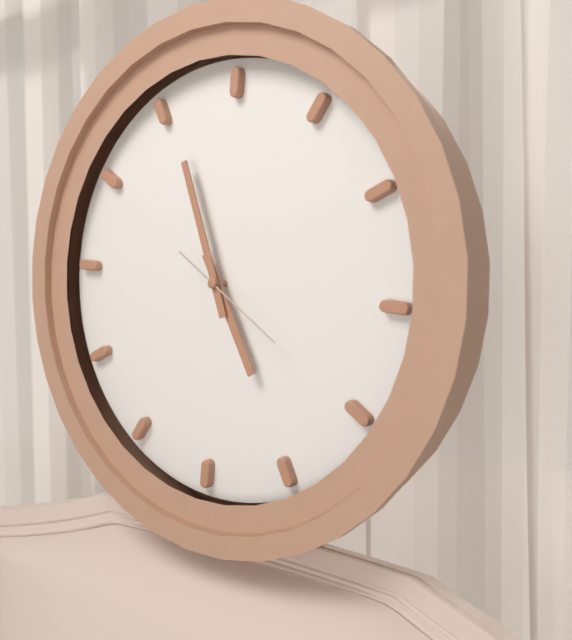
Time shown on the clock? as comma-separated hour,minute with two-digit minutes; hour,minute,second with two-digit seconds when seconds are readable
4,56,20
